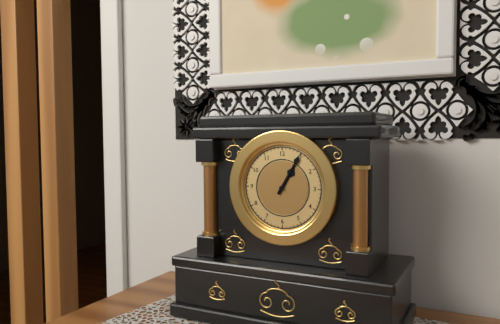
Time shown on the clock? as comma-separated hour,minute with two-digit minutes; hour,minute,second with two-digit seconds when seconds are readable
1,05
